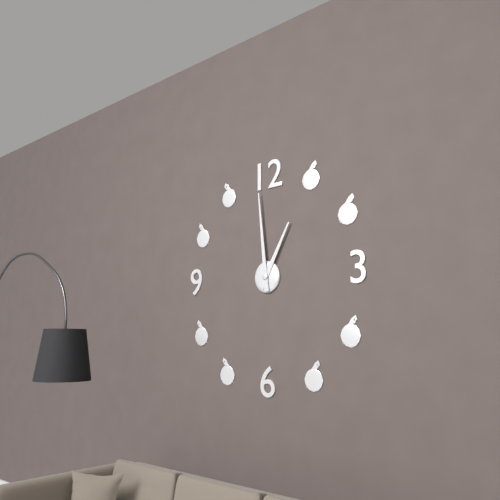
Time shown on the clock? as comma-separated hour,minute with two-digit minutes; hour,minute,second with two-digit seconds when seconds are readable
12,59
